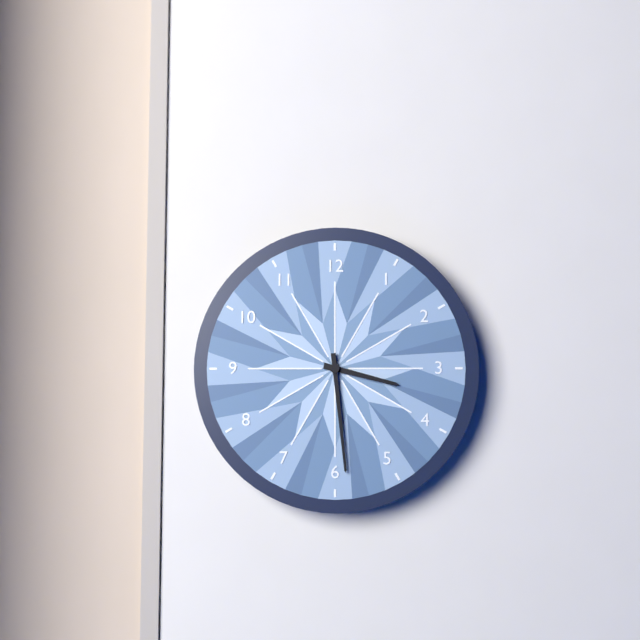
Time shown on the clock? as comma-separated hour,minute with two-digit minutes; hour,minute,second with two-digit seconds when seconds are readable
3,29
